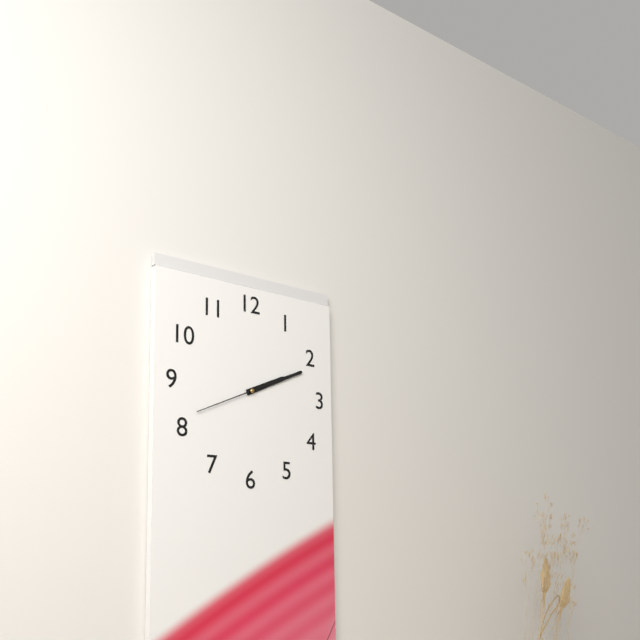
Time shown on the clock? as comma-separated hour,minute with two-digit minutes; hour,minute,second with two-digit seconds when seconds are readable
2,11,41
